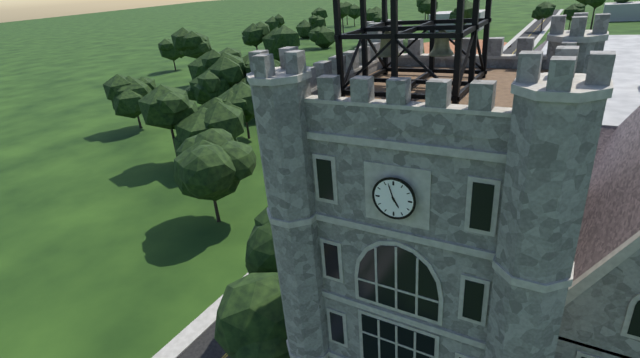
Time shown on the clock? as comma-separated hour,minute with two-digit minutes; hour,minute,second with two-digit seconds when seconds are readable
4,57
